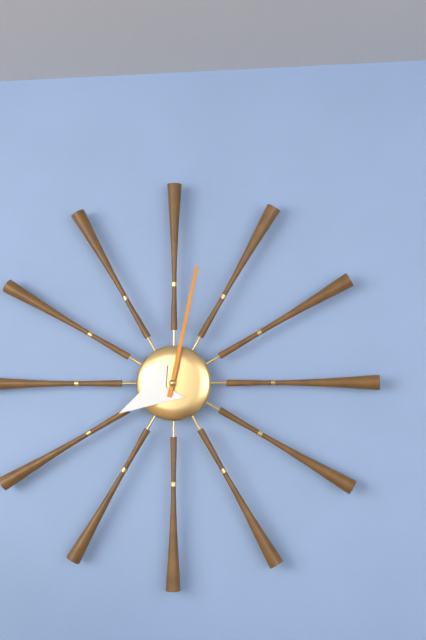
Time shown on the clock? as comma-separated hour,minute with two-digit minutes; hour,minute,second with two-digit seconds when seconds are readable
8,02
